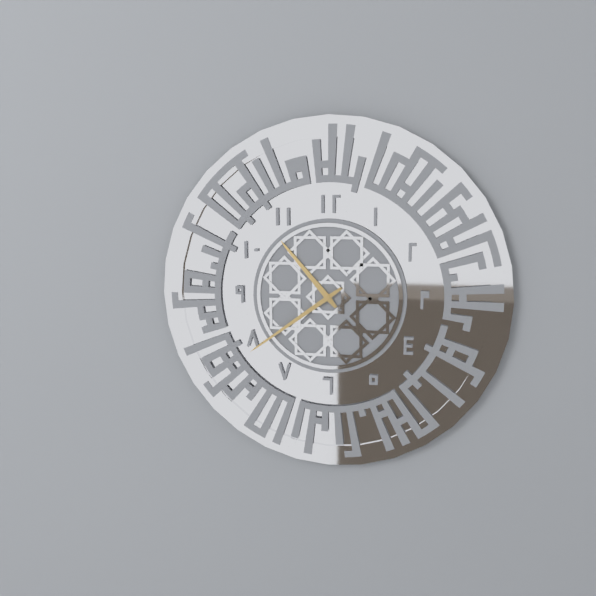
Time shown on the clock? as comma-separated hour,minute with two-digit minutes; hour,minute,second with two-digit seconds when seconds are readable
10,39
